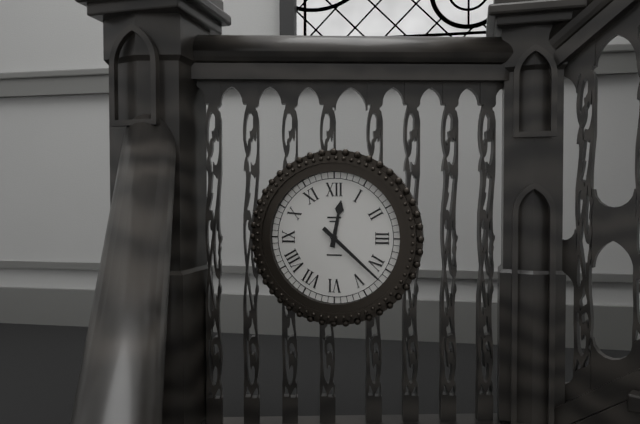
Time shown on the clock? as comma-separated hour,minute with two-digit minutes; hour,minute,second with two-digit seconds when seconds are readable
12,22
